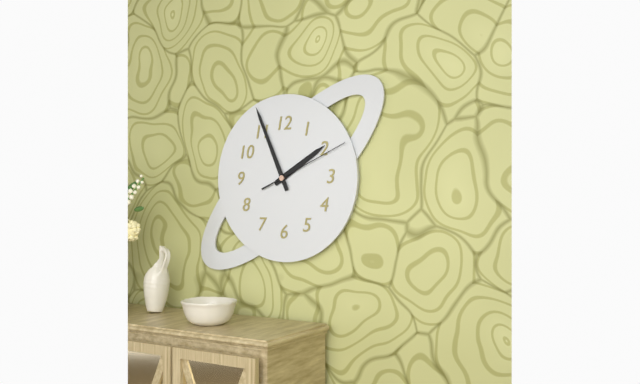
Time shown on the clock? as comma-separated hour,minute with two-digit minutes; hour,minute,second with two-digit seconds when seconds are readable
1,56,11
